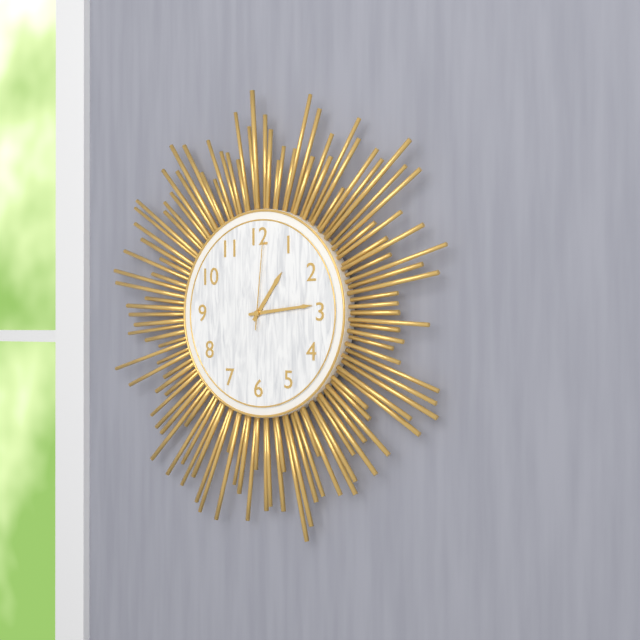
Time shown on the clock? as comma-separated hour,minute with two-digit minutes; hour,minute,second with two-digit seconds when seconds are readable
1,14,01
